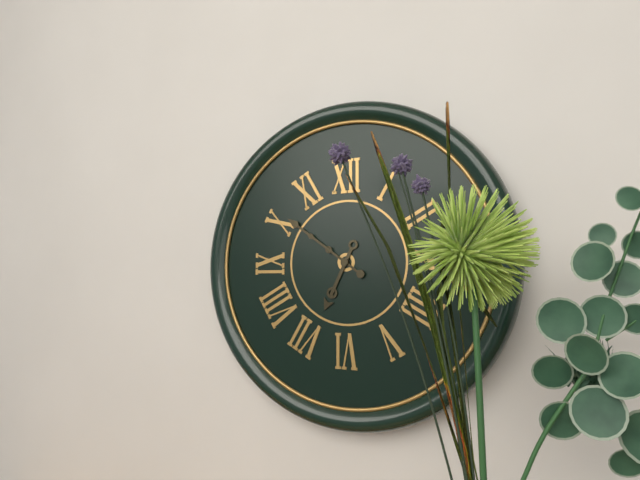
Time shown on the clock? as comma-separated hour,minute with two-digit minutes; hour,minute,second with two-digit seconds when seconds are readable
6,51
